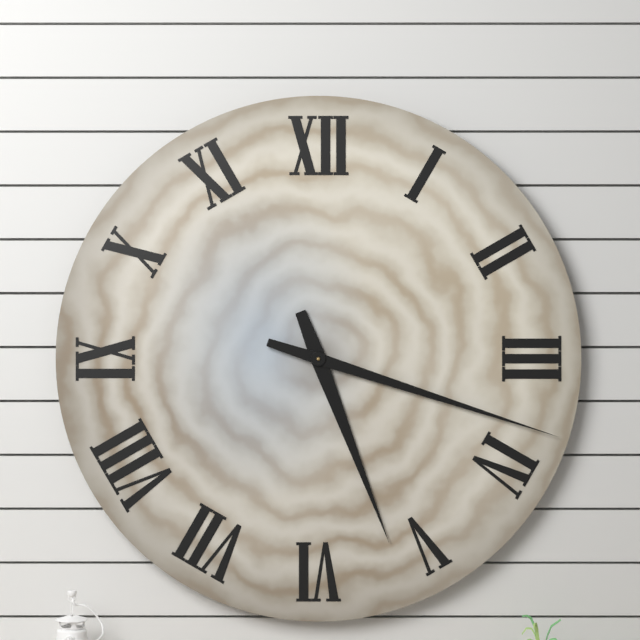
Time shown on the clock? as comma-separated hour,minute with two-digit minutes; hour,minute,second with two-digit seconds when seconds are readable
5,18
